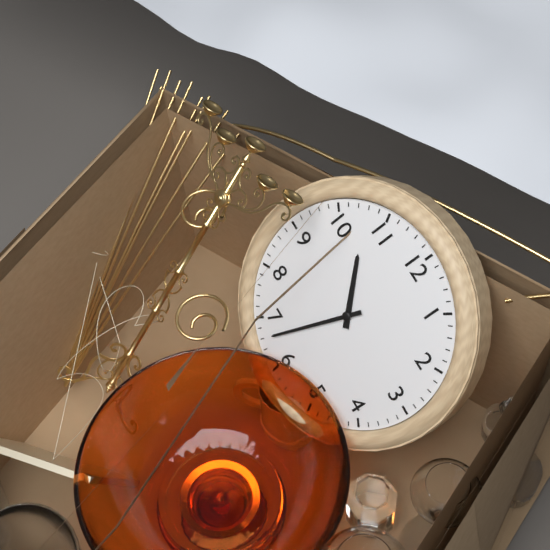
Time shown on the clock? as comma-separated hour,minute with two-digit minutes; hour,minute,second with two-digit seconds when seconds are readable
10,33
